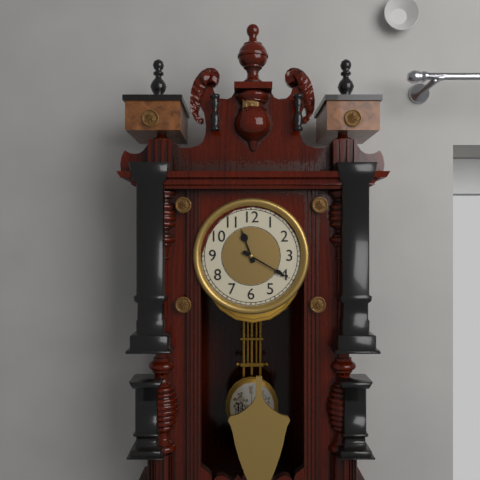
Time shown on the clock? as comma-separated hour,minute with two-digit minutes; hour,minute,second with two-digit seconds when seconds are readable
11,20
